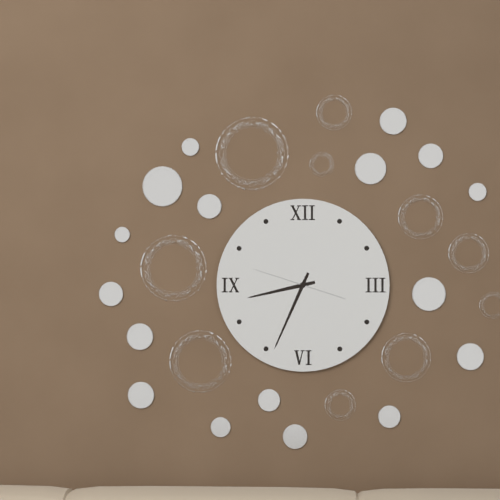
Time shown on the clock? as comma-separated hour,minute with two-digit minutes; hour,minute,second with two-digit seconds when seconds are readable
8,34,48
